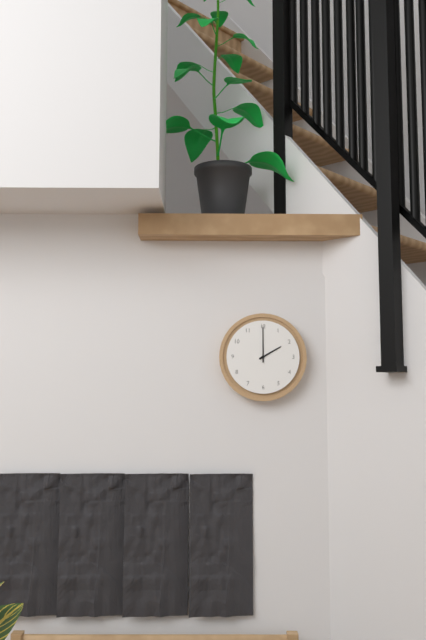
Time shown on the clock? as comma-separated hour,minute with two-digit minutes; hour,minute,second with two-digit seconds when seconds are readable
2,00
